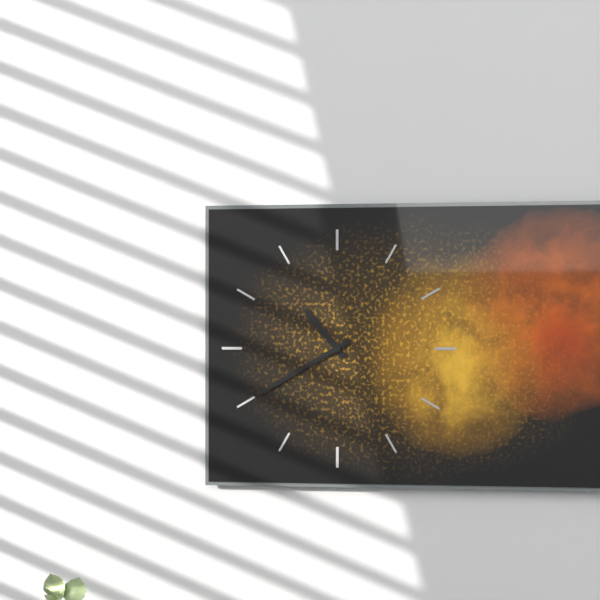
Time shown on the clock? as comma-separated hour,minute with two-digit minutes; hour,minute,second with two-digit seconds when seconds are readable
10,40
